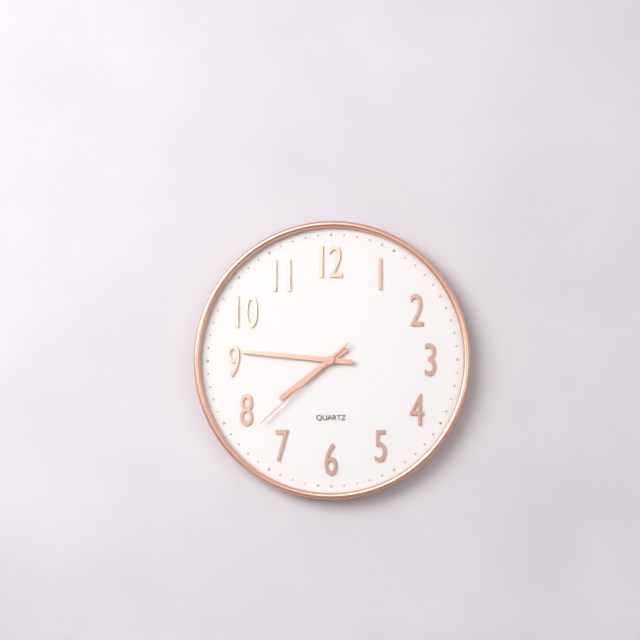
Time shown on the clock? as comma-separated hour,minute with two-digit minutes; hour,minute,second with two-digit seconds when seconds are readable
7,46,38
